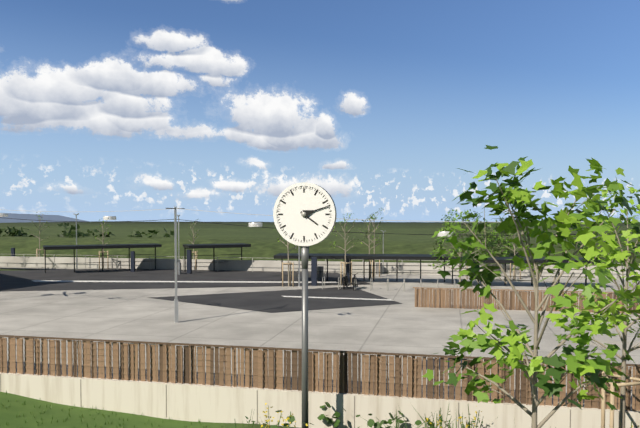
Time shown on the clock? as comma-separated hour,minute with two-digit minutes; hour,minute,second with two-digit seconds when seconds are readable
4,12
